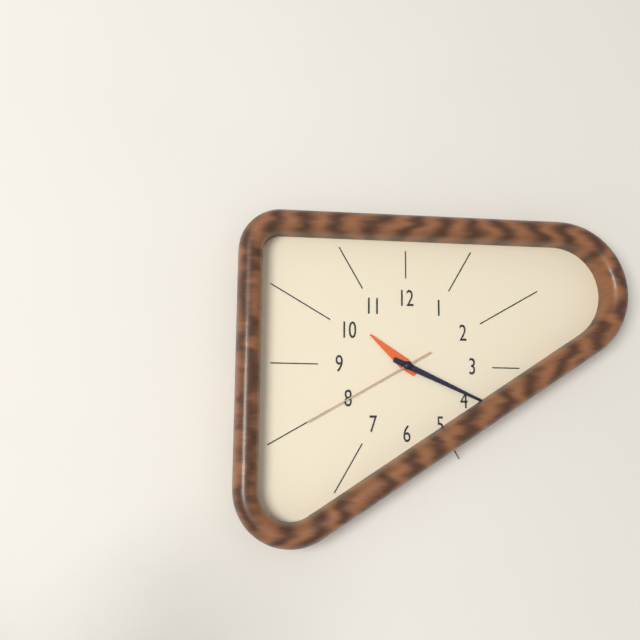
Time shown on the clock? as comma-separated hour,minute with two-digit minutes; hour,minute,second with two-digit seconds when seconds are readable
10,19,40
